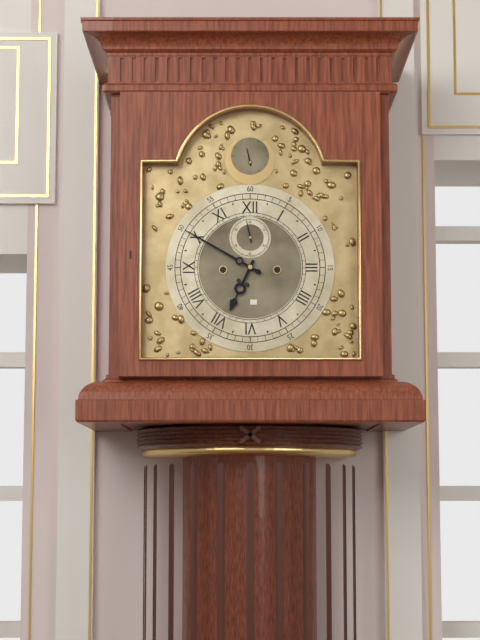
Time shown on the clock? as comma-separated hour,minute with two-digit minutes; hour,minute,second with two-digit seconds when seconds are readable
6,50
